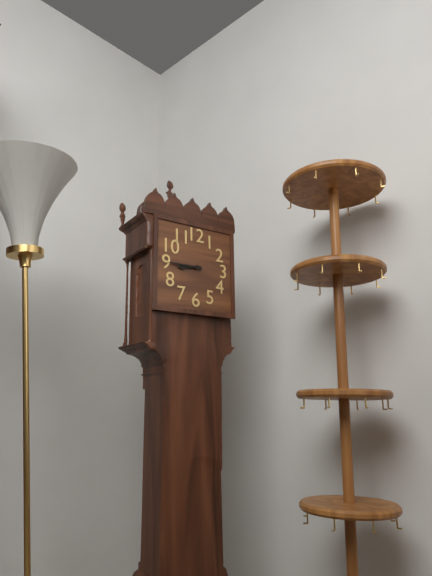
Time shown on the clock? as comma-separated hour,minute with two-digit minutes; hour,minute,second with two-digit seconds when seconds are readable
8,45
